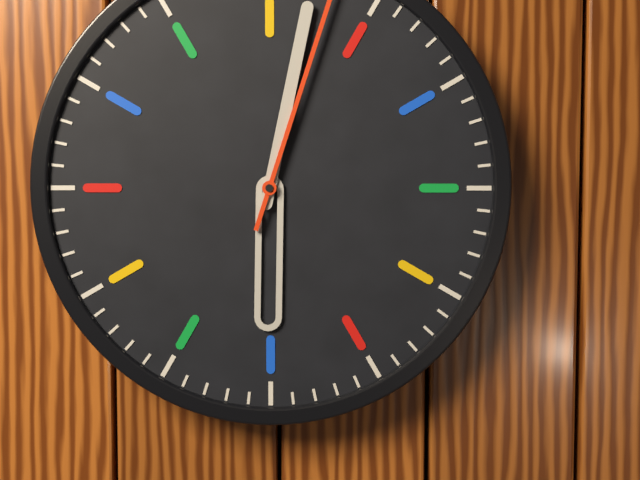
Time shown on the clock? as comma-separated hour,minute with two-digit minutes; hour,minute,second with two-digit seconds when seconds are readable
6,02
